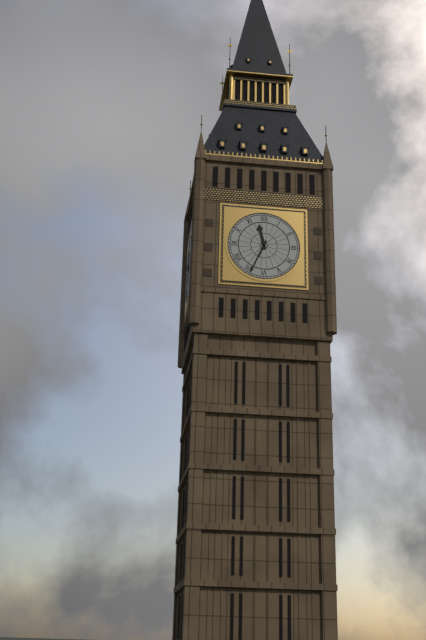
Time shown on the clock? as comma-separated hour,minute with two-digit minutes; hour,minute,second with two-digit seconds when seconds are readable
11,34
